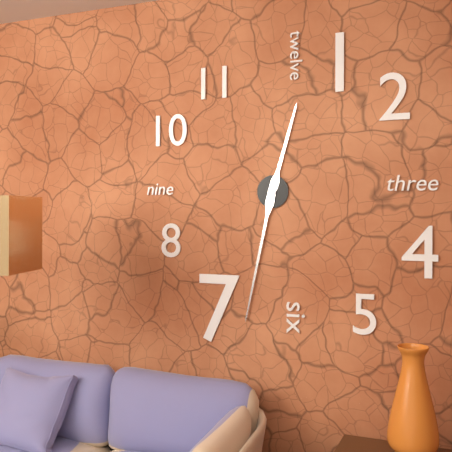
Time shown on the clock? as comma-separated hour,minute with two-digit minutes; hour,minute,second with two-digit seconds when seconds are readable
12,32
